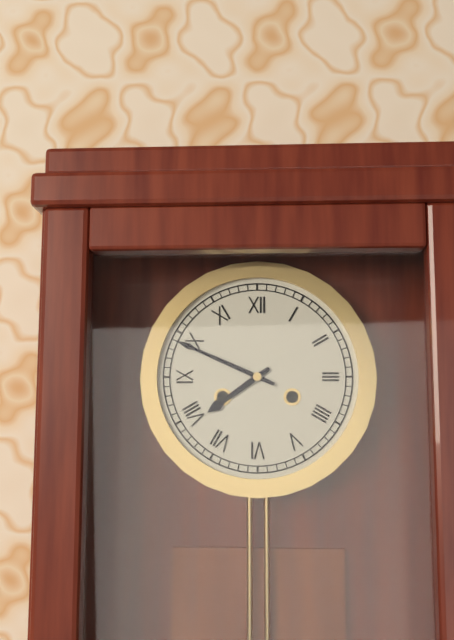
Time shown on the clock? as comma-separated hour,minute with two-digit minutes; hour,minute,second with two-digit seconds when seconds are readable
7,49
